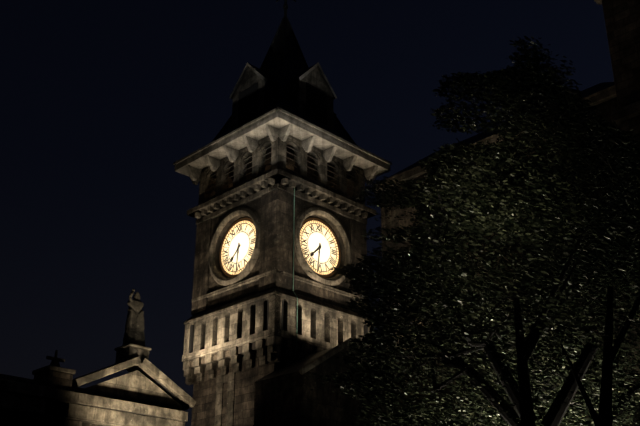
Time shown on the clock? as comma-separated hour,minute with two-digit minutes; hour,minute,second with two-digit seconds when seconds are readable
7,31
